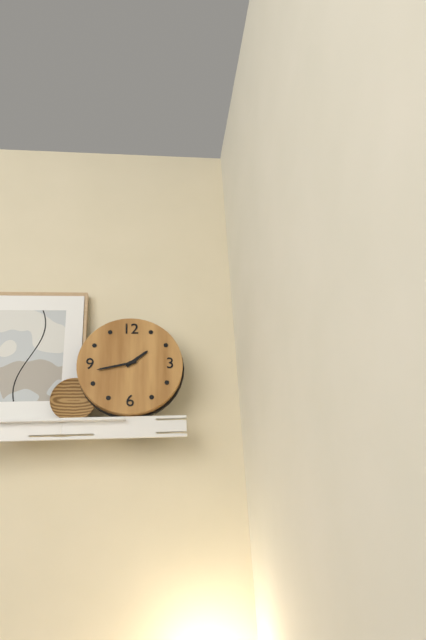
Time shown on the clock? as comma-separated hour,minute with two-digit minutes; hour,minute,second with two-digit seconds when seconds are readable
1,43
